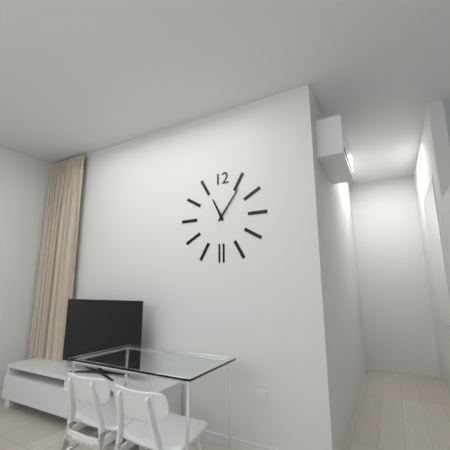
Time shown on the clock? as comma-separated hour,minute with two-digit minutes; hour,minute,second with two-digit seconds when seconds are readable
11,06
